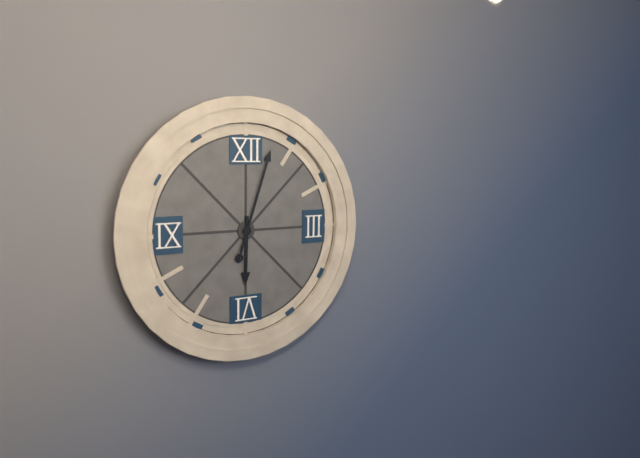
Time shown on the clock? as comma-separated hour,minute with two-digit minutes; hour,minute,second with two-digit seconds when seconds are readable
6,03
